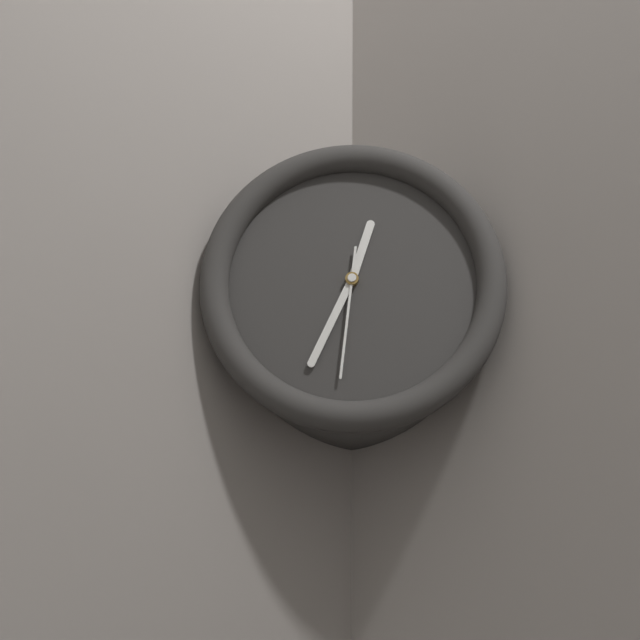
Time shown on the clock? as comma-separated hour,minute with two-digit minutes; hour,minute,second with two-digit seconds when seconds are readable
12,34,31
